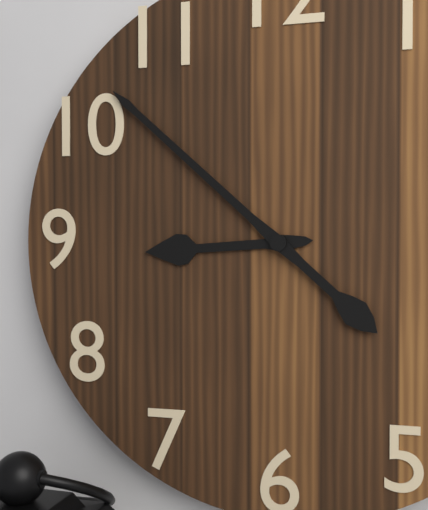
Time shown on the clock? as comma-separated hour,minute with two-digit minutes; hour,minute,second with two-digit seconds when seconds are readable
8,52
